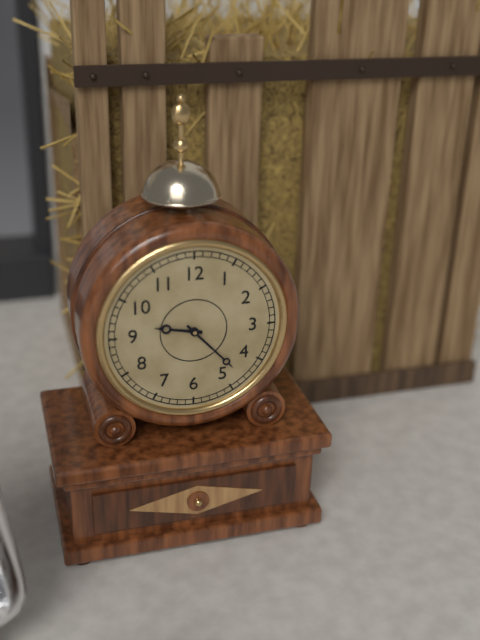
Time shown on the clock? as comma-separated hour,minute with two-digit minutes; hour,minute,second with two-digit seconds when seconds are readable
9,23
